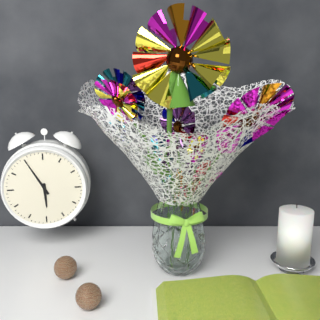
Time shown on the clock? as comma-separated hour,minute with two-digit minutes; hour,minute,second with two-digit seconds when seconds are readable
5,55
